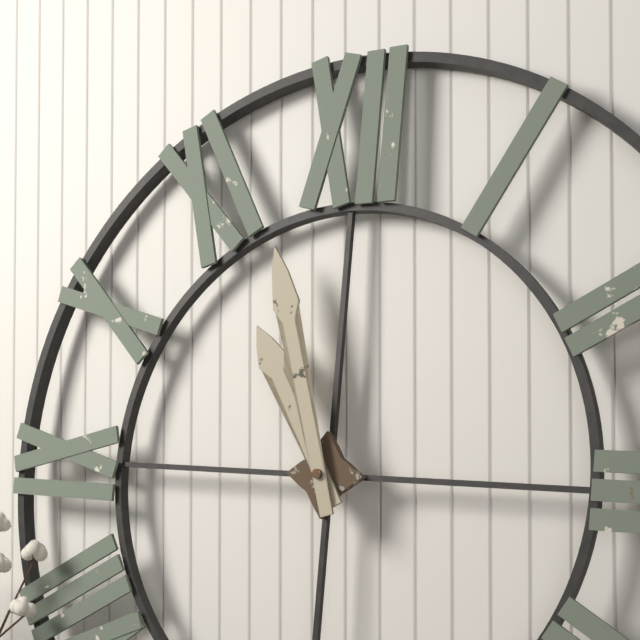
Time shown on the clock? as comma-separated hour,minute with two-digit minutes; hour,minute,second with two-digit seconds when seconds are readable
10,57
